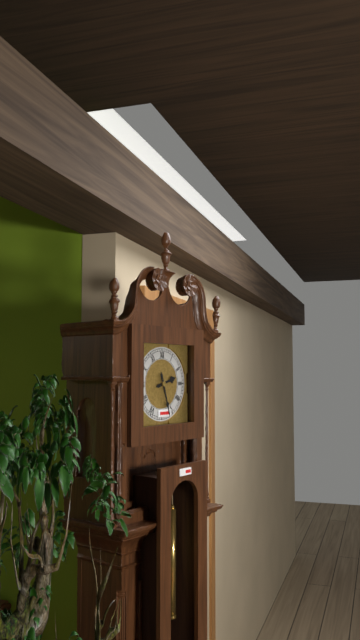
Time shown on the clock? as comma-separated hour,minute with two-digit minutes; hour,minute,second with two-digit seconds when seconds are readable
2,27
